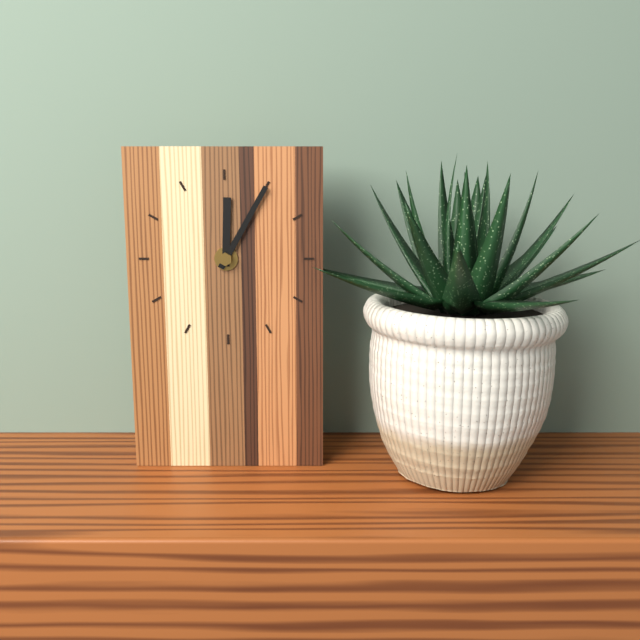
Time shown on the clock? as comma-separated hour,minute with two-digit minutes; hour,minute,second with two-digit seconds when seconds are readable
12,05
